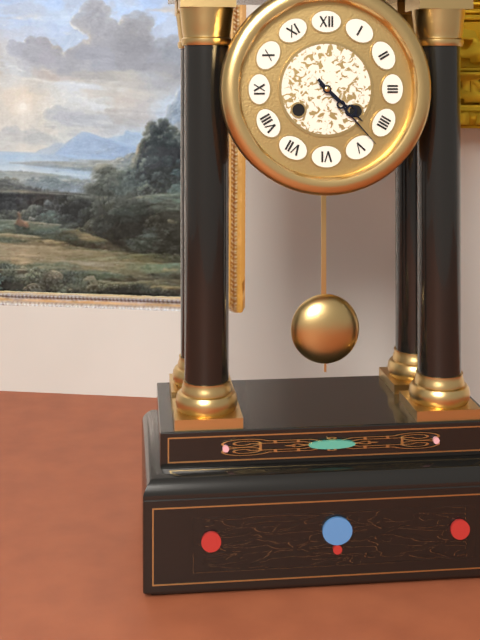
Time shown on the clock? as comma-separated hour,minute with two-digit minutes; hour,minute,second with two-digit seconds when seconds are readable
4,23
